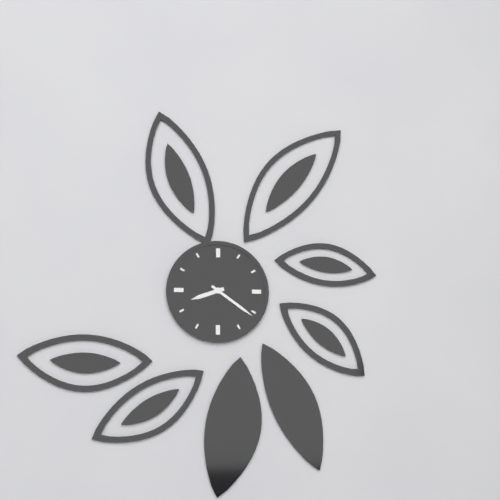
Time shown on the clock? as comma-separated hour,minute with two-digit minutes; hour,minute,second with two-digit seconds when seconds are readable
8,21
